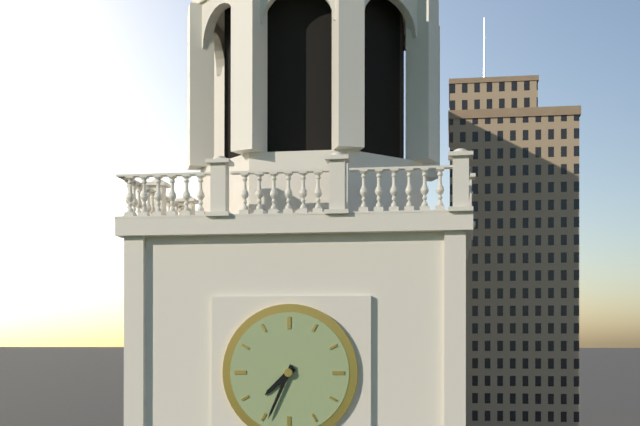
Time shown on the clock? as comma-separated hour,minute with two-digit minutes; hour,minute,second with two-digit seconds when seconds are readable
7,34
